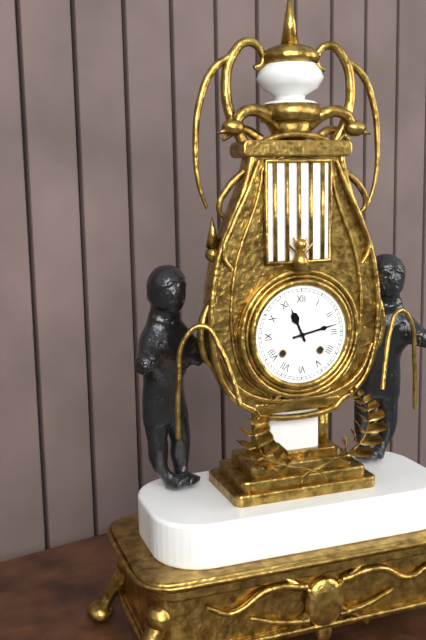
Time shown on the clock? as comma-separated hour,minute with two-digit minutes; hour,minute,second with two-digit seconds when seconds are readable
11,13
